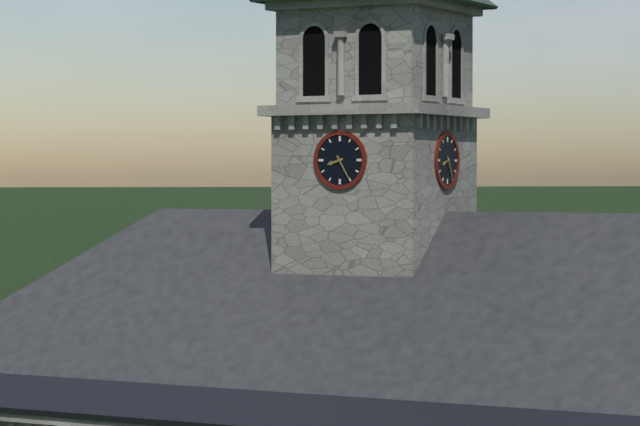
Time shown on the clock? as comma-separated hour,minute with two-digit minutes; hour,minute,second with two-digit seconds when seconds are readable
8,25
